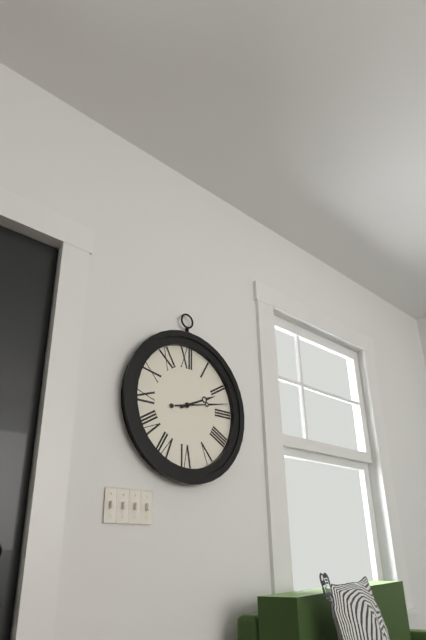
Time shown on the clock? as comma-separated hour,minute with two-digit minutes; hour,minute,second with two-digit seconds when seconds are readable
2,13
